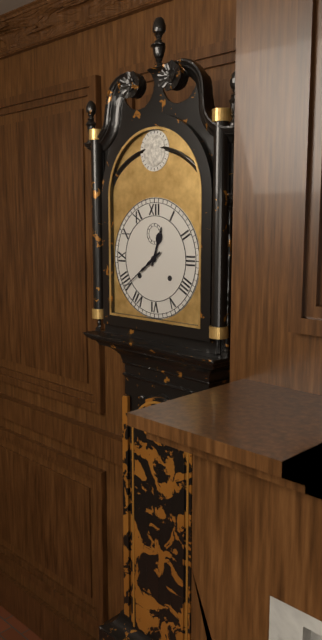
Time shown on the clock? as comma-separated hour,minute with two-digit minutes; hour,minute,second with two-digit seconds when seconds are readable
12,39
